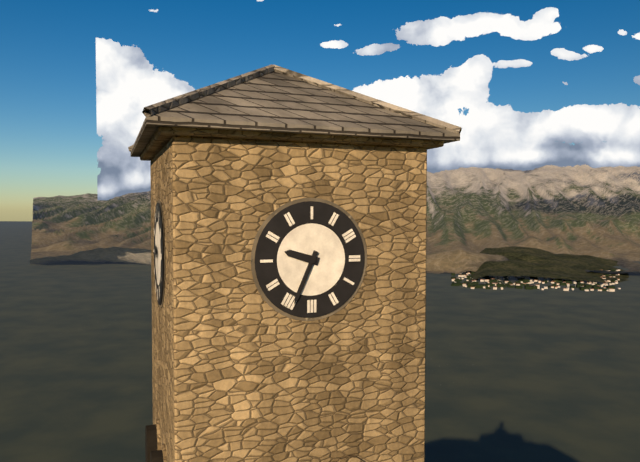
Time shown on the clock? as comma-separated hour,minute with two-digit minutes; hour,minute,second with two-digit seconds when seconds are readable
9,34
